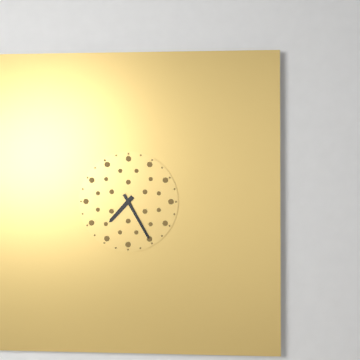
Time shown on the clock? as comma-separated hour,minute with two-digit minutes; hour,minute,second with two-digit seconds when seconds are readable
7,25
